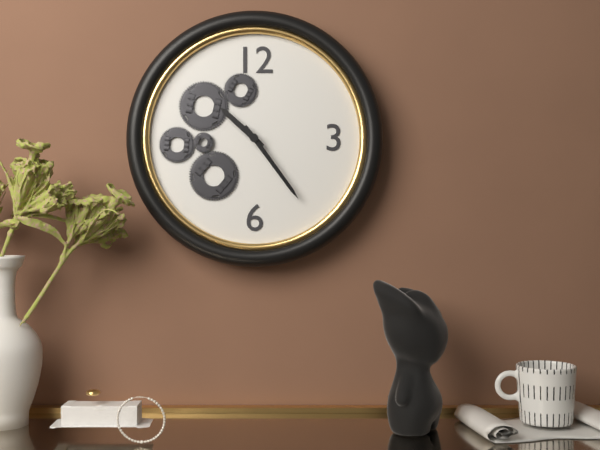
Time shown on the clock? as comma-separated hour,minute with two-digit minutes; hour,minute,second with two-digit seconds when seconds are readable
10,24
